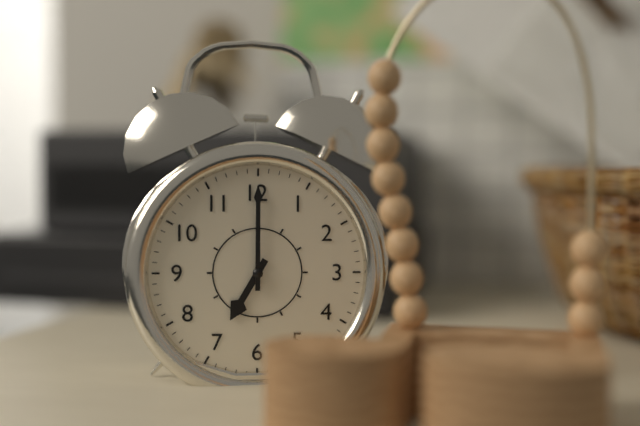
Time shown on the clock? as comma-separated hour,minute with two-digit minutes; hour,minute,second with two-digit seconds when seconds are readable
7,00
